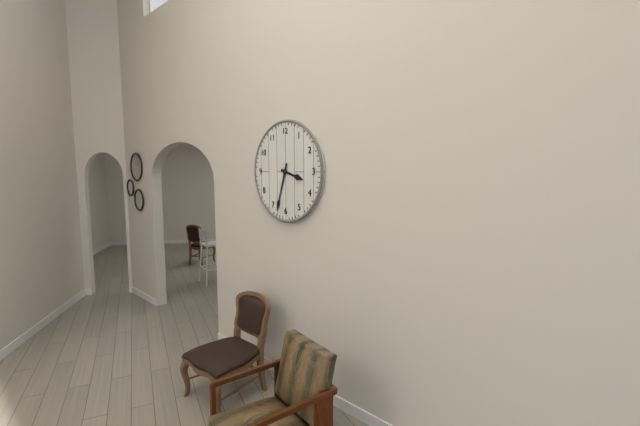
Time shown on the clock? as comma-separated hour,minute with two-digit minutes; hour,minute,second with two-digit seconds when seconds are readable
3,33
